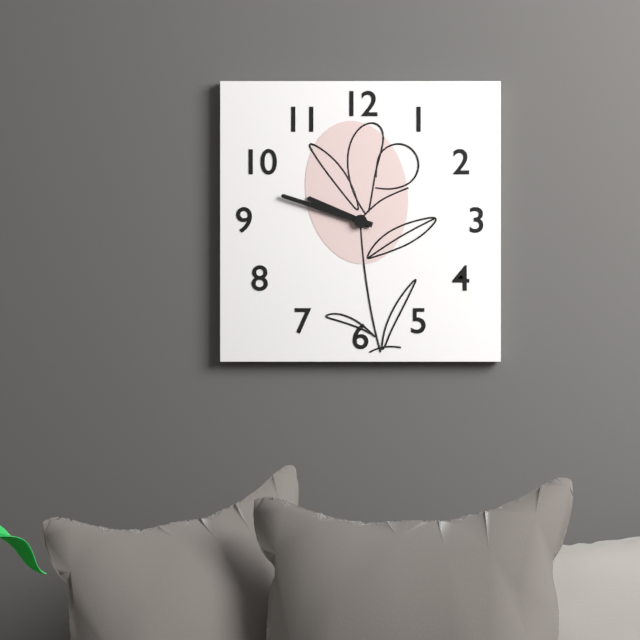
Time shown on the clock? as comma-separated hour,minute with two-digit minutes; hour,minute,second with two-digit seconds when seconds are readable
9,48
